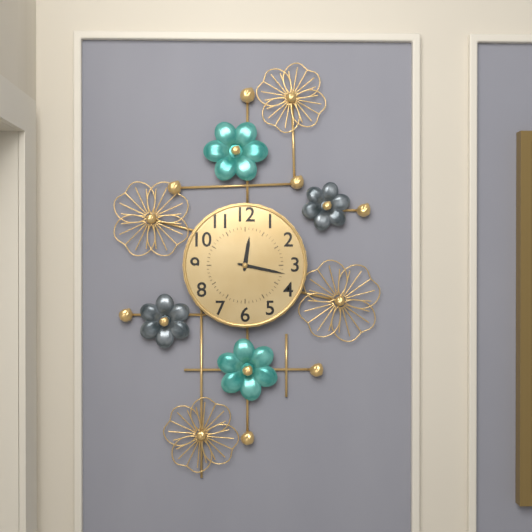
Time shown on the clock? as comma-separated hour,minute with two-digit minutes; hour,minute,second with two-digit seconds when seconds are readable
12,17
